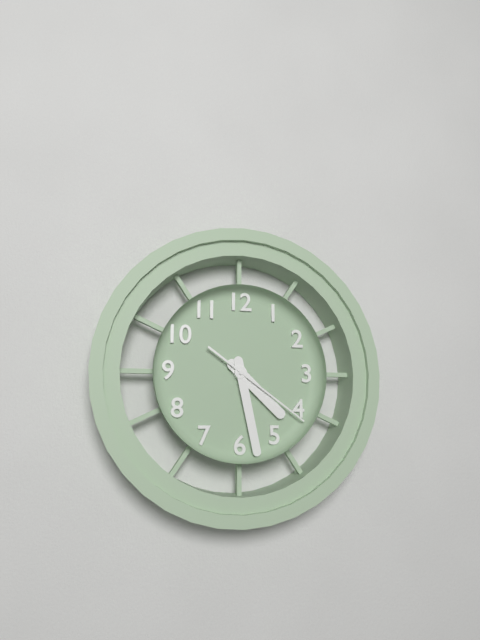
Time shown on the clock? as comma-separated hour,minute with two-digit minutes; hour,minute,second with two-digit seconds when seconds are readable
4,28,21
